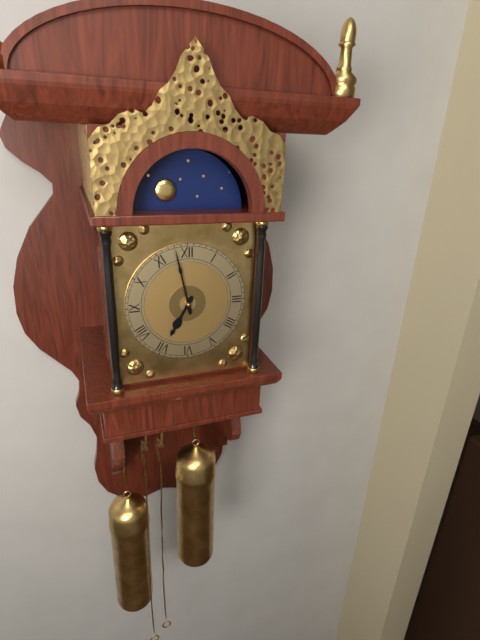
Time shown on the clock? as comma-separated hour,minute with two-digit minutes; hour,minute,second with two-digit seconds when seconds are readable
6,58
